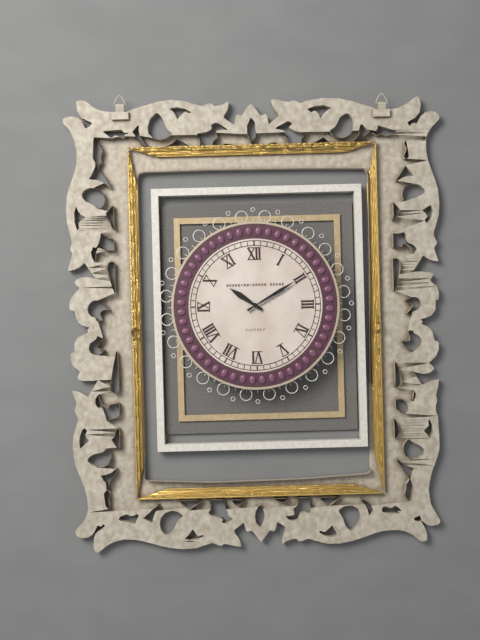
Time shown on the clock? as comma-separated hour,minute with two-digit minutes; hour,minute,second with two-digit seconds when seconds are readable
10,10
